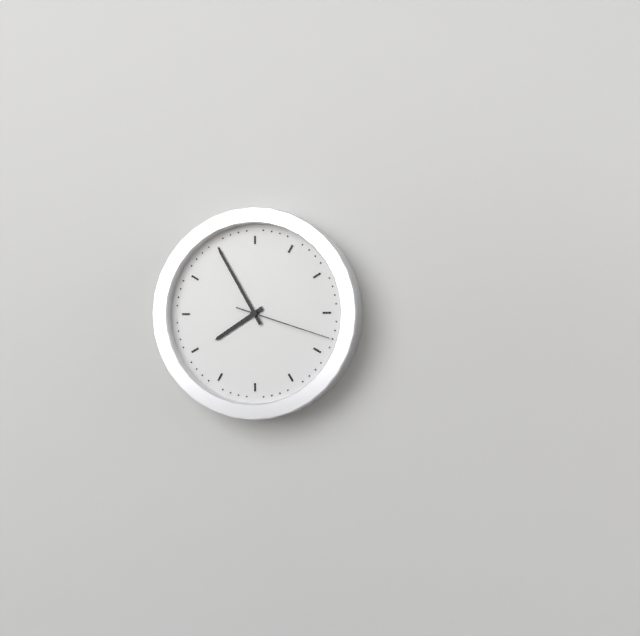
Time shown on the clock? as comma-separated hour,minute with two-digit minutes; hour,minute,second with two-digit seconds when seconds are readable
7,55,18
